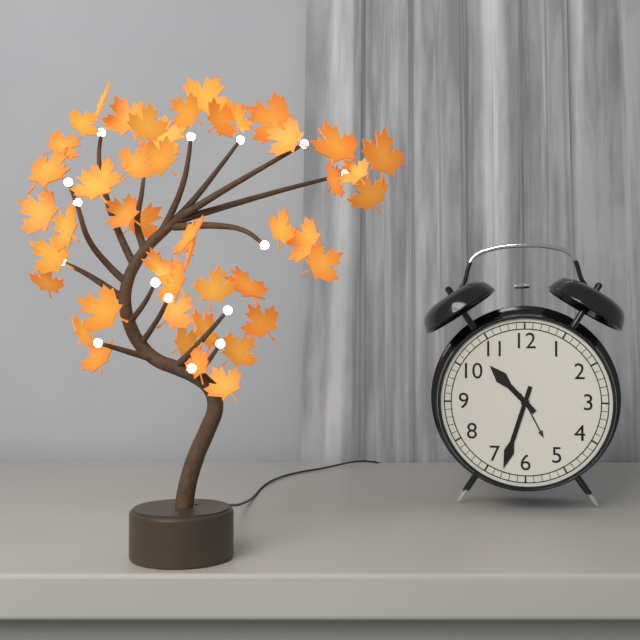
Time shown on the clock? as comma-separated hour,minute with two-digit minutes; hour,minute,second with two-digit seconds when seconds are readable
10,33
